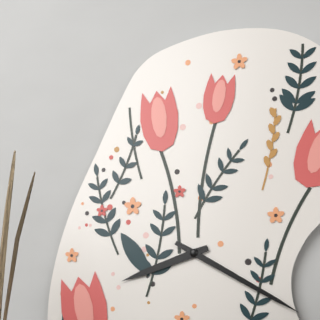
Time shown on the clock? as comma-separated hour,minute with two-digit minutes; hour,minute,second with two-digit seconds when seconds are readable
8,20
